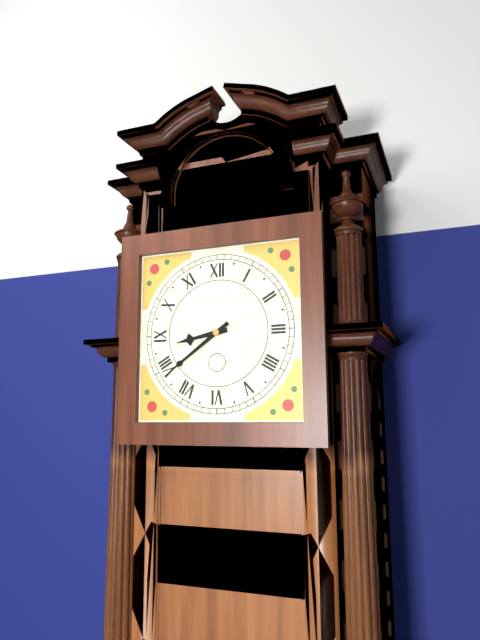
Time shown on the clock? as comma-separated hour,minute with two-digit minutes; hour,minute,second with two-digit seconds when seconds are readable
8,39
